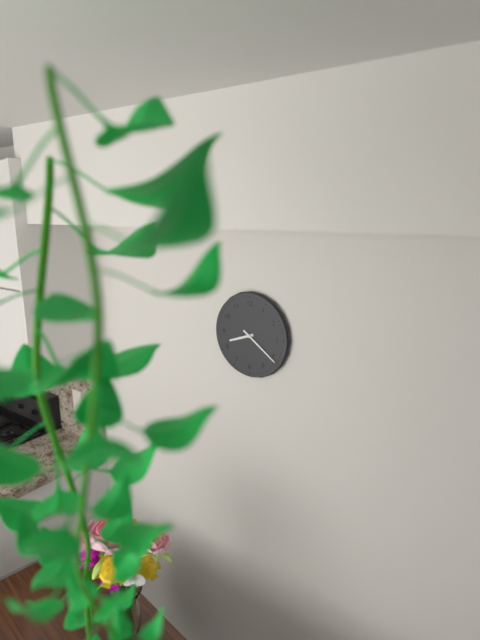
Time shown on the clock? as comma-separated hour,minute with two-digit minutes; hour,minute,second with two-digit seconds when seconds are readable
8,21
